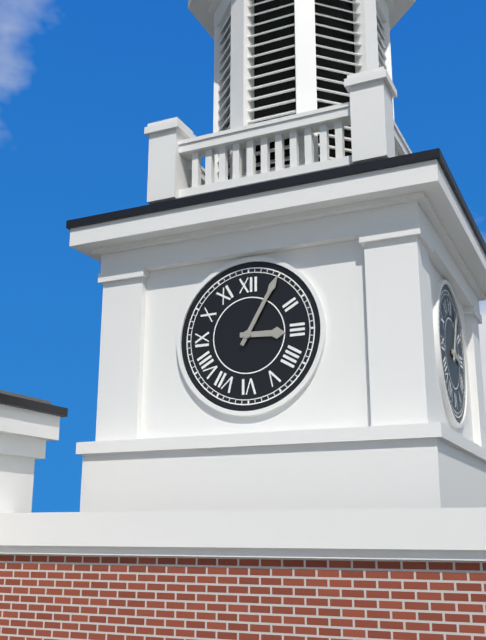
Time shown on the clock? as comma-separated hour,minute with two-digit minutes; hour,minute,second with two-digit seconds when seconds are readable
3,05
